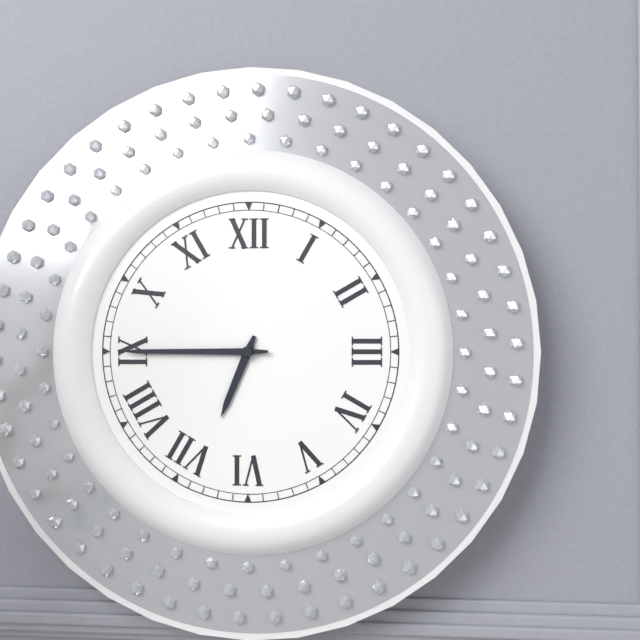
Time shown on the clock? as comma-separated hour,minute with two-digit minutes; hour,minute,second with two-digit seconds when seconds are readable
6,45
